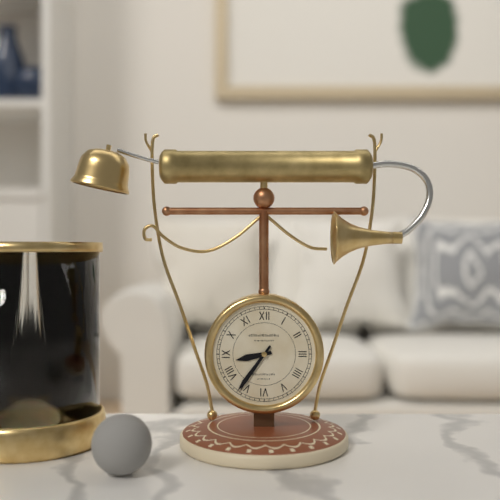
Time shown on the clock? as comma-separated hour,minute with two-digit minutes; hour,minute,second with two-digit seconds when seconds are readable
8,36
